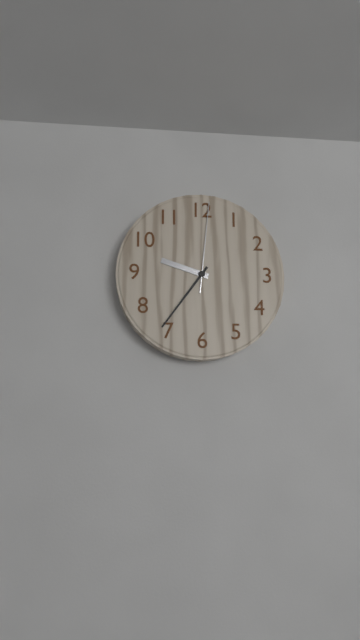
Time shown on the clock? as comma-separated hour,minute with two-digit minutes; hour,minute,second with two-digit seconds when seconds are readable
9,36,01
